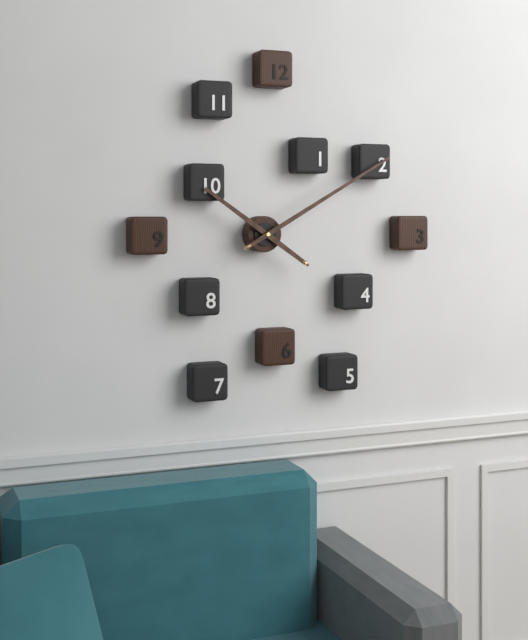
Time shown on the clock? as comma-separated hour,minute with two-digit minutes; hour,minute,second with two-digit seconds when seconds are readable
10,10
